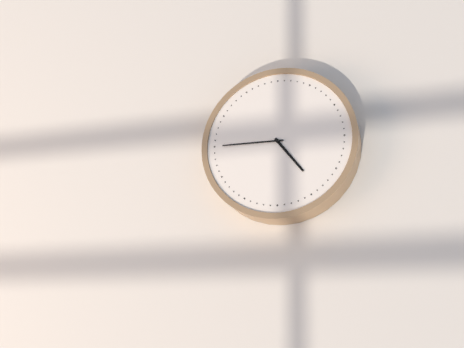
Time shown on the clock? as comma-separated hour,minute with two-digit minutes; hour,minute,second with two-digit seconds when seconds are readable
4,45
